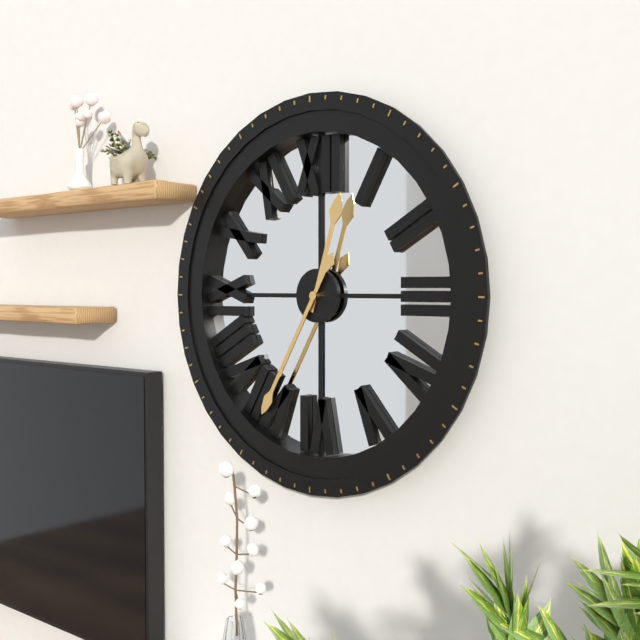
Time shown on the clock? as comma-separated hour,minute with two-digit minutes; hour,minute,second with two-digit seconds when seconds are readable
12,35
